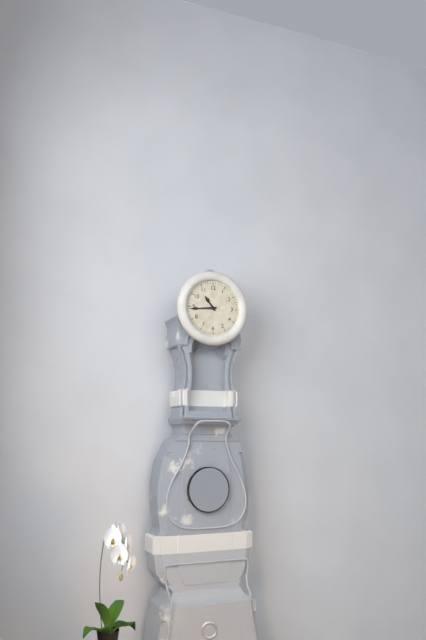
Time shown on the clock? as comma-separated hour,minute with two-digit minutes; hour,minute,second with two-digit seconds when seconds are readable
10,44
